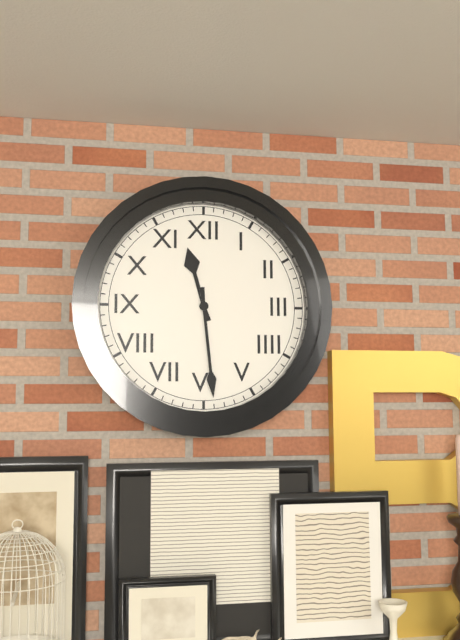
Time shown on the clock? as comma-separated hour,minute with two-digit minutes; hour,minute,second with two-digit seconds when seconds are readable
11,29
